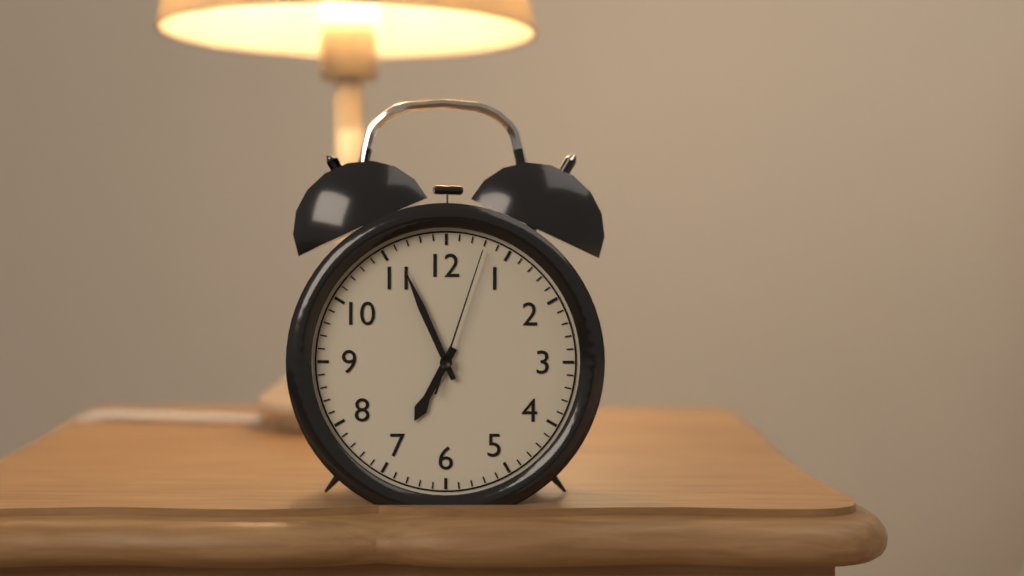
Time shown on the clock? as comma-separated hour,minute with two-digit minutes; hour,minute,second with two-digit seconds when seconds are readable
6,56,03
